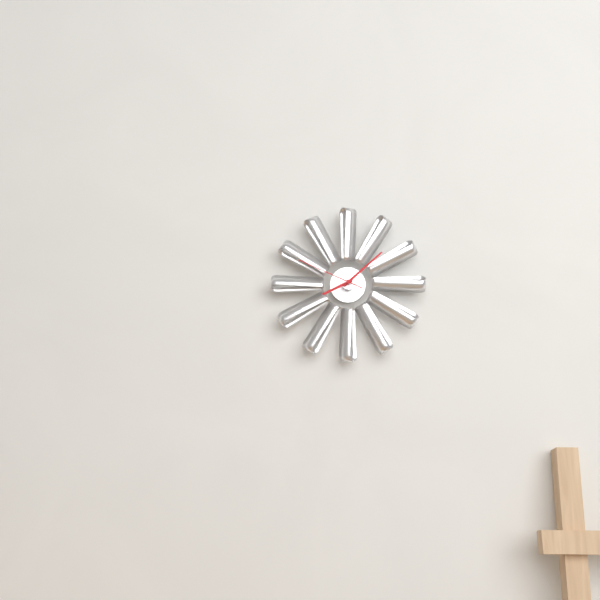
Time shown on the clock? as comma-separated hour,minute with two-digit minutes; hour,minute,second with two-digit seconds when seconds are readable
8,08,49
